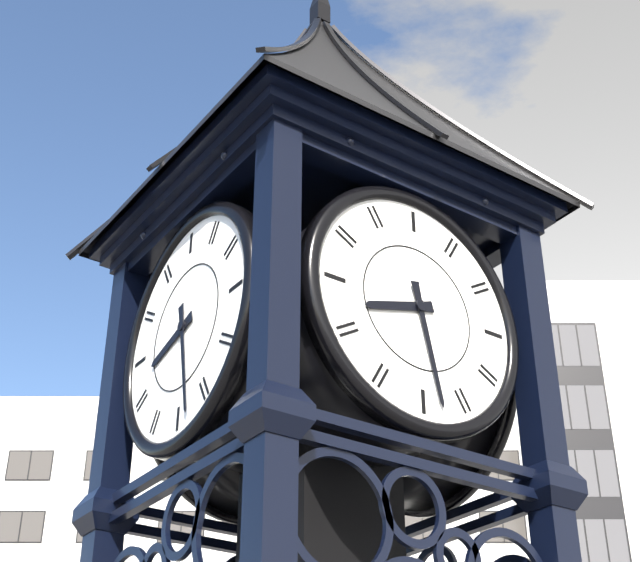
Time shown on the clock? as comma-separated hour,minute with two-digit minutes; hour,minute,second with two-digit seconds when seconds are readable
8,28
